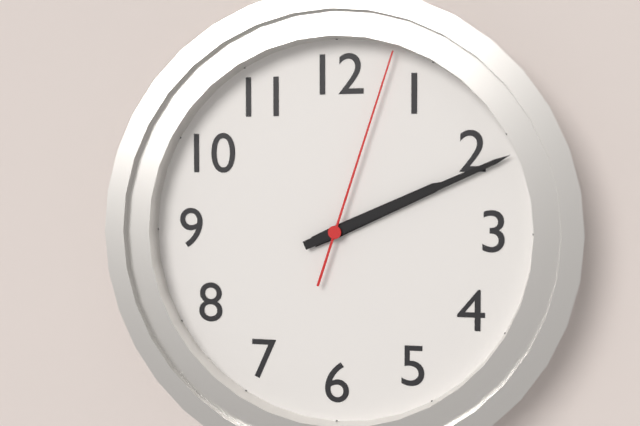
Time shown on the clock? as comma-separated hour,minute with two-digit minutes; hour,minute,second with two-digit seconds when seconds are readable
2,11,03
